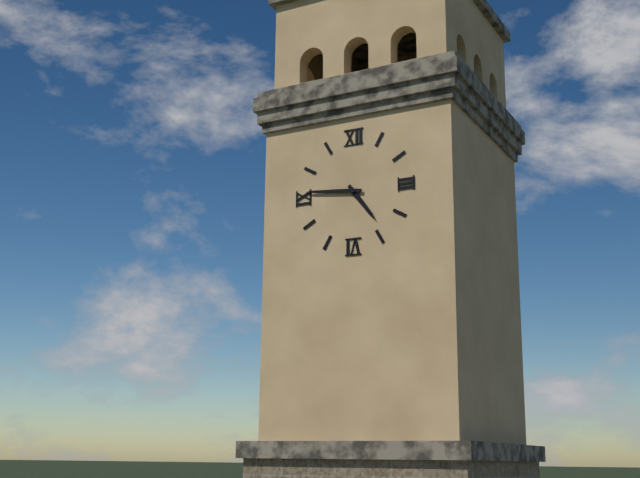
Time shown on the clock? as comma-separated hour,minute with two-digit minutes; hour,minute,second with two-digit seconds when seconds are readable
4,46
